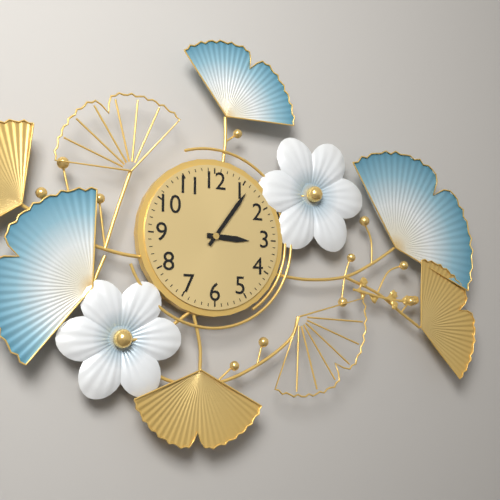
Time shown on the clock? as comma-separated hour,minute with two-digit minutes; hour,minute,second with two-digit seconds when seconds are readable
3,06
